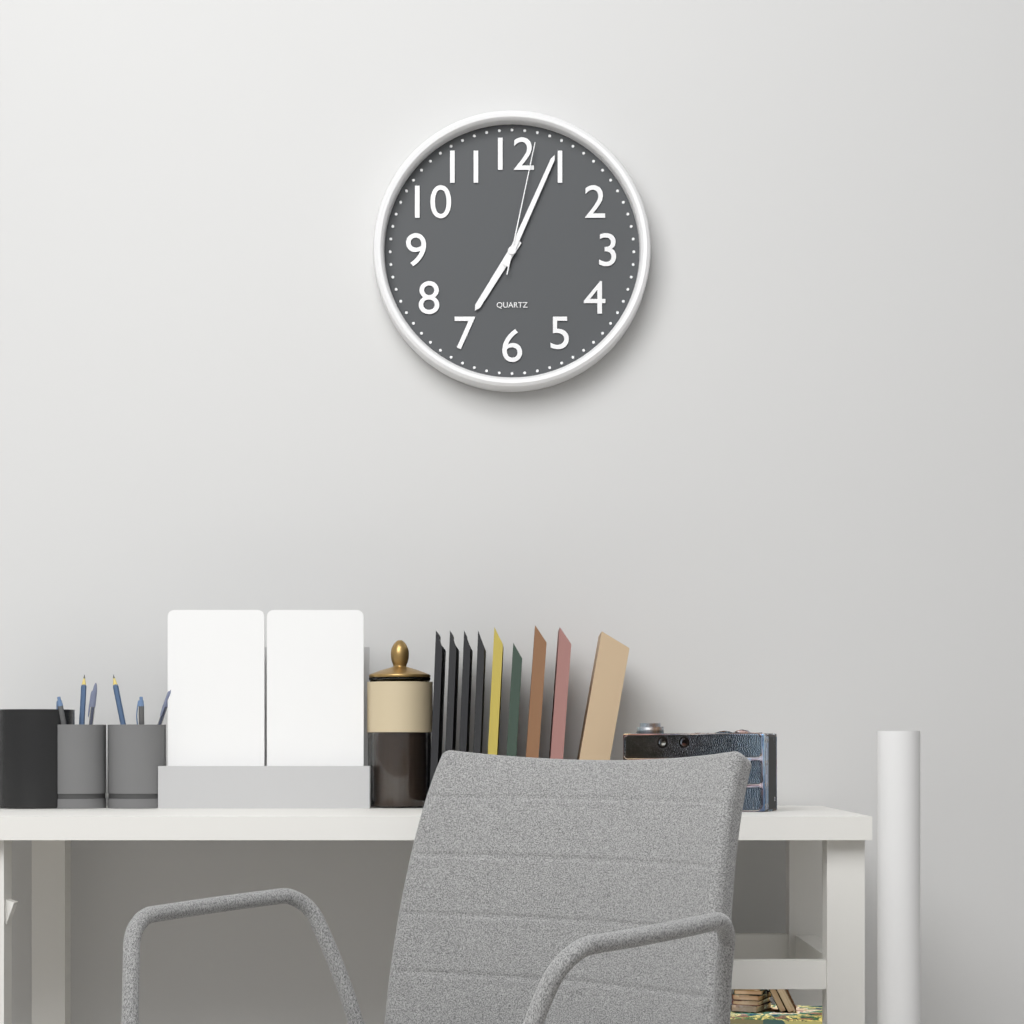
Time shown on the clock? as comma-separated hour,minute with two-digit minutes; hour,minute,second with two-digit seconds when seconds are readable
7,04,02
